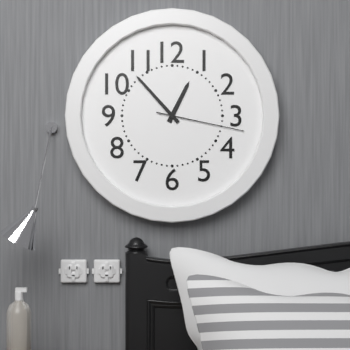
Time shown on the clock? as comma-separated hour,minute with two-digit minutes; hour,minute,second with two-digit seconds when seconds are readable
12,53,17
